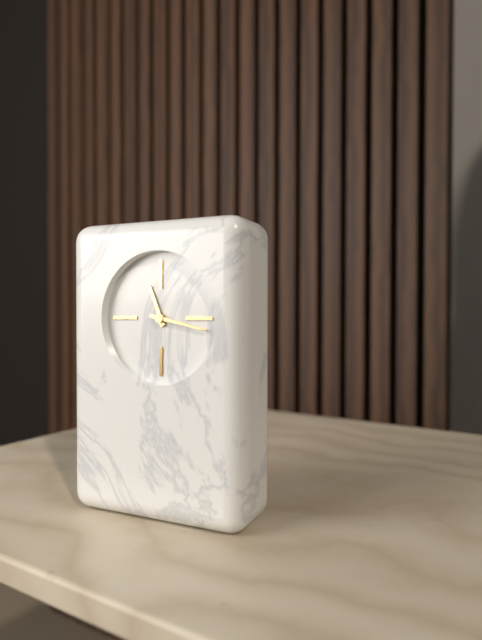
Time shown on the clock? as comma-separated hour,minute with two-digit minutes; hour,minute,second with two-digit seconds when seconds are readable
11,17
